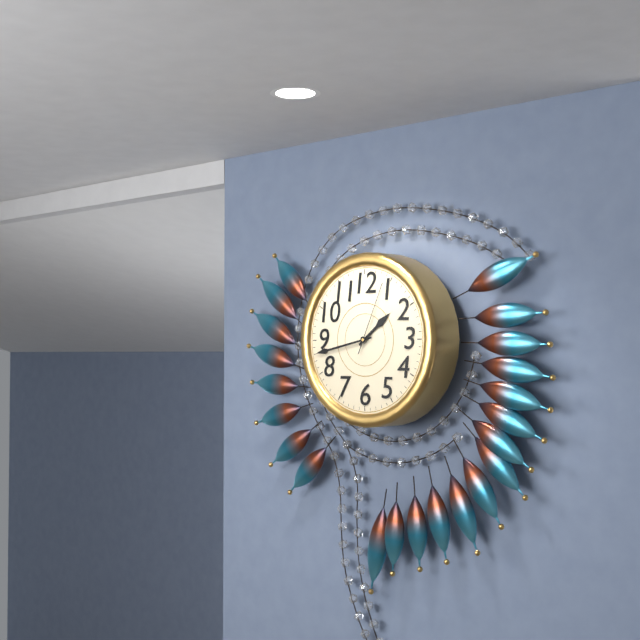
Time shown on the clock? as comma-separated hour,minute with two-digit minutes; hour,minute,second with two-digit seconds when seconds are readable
1,43,04
